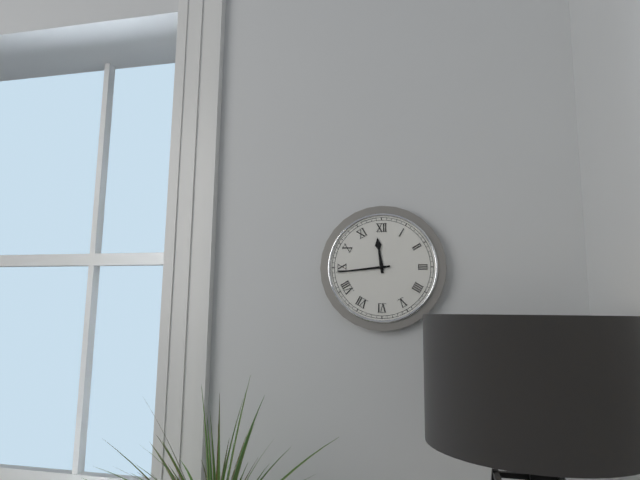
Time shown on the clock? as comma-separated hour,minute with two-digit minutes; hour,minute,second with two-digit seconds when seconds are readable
11,44
